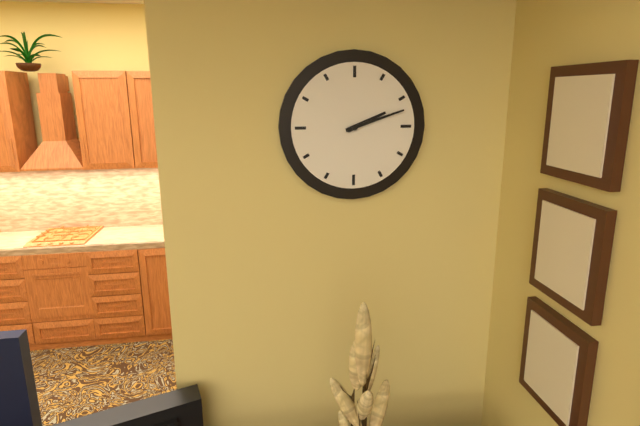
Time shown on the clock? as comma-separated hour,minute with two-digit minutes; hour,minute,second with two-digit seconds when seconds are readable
2,12
